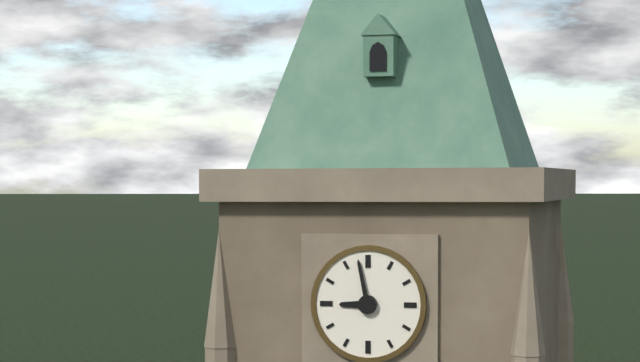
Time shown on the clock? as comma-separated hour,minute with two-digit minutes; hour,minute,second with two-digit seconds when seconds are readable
8,58
